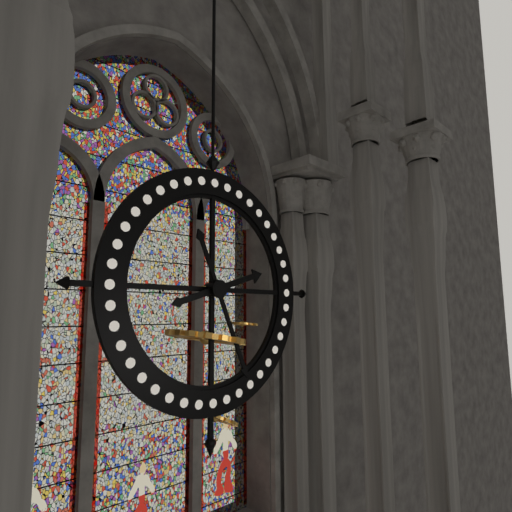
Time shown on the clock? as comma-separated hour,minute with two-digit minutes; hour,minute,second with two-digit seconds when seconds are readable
2,26
